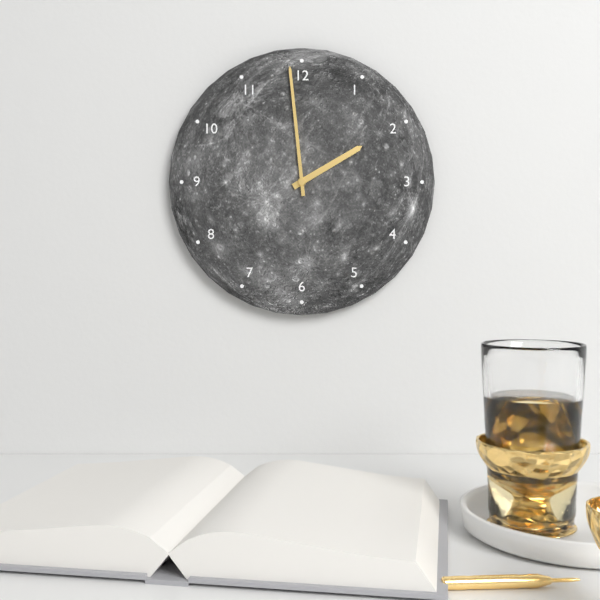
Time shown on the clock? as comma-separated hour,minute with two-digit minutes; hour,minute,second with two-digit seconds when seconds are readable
1,59
